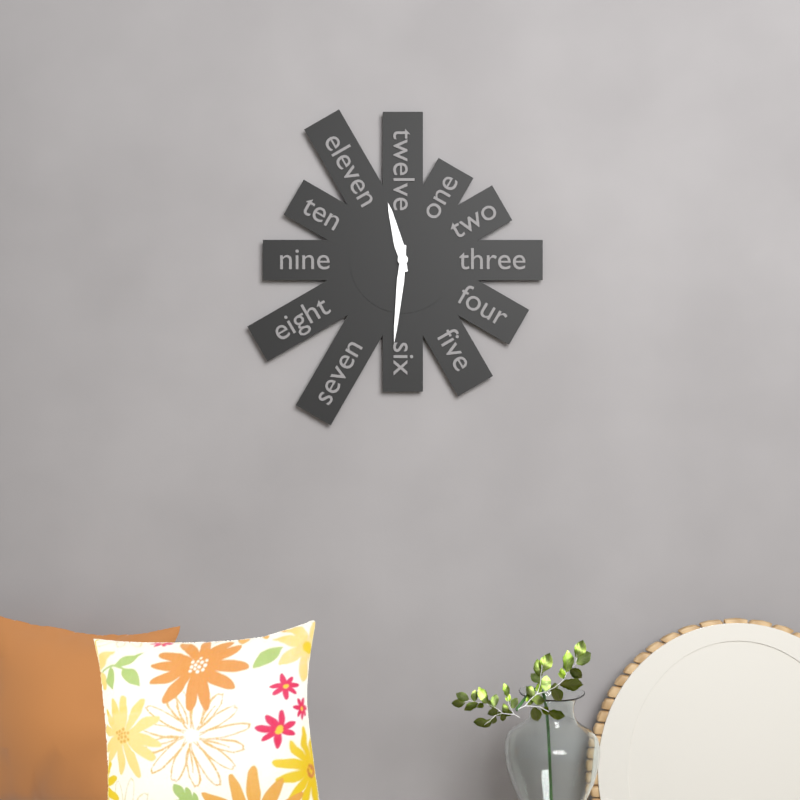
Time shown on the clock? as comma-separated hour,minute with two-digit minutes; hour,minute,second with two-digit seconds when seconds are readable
11,31
